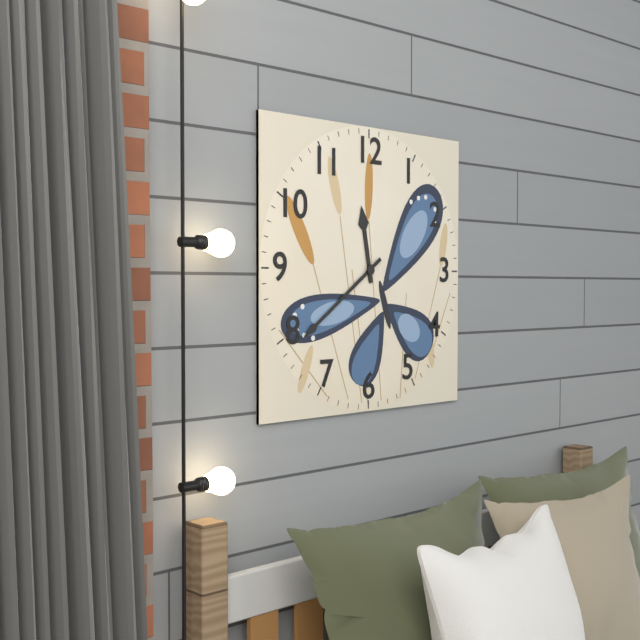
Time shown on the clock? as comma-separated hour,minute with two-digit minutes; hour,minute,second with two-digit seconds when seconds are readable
11,39
